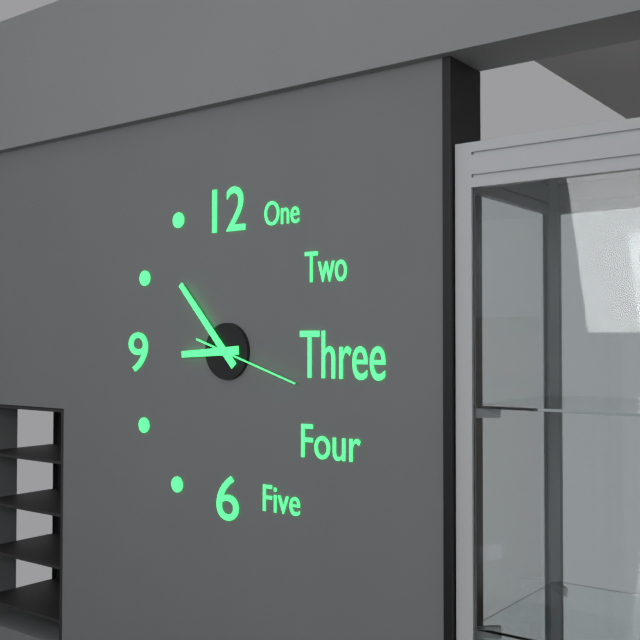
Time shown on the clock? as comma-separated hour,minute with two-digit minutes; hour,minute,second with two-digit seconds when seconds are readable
8,53,18
